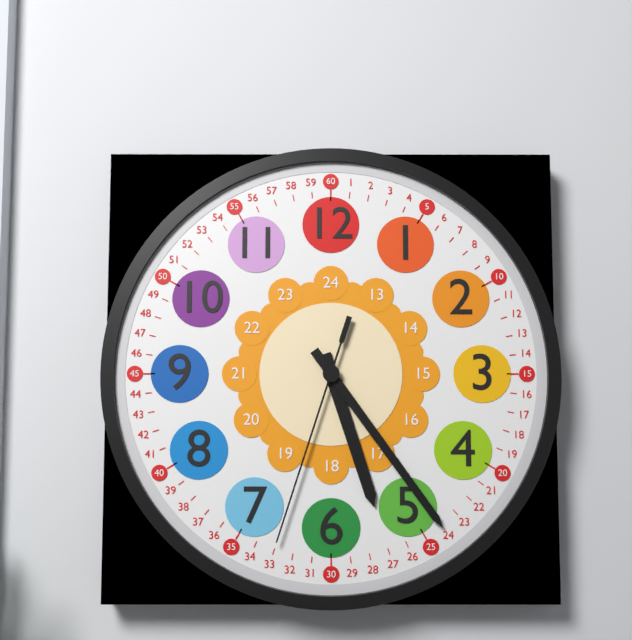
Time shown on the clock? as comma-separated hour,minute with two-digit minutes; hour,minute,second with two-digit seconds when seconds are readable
5,24,33
